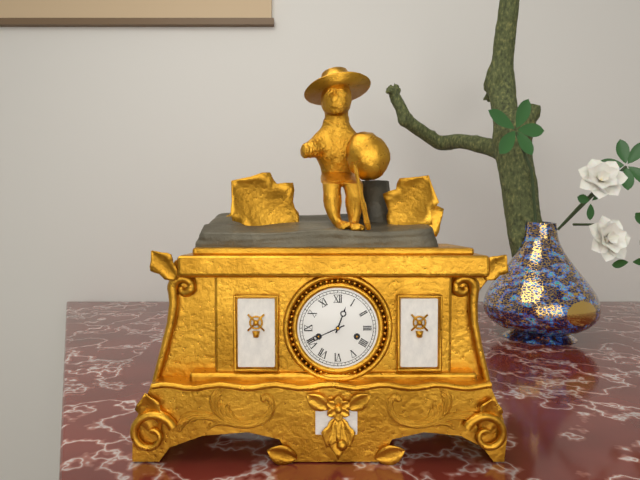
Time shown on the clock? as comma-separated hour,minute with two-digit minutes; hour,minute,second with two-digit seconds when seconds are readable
12,41
